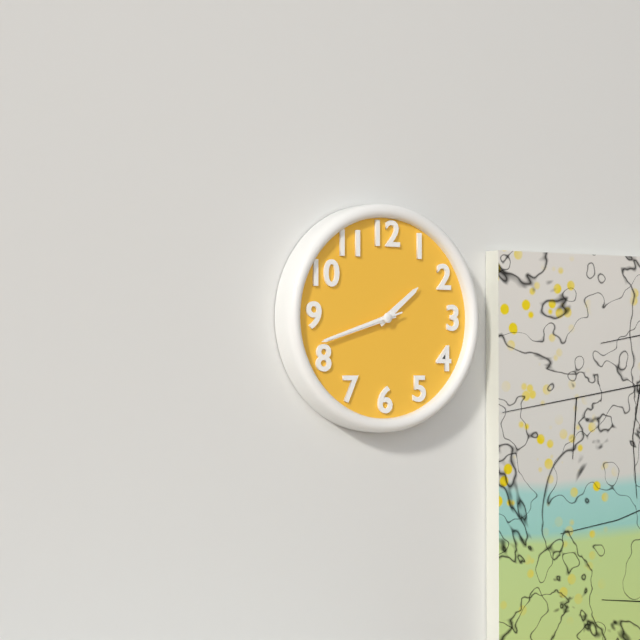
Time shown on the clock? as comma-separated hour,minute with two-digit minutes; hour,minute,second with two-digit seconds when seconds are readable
1,42,42
